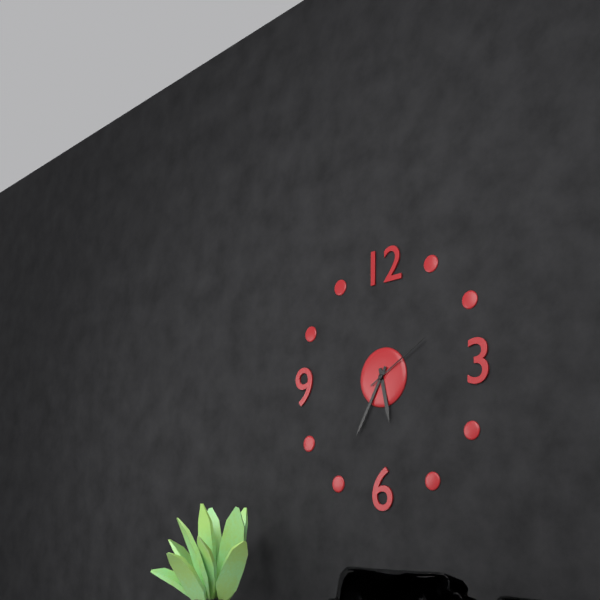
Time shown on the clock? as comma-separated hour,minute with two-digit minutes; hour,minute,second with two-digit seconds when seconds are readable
5,35,10
